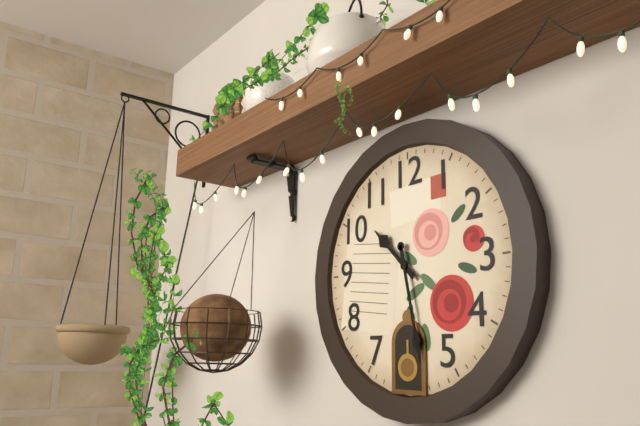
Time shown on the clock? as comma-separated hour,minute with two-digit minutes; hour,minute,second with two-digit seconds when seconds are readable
10,28
